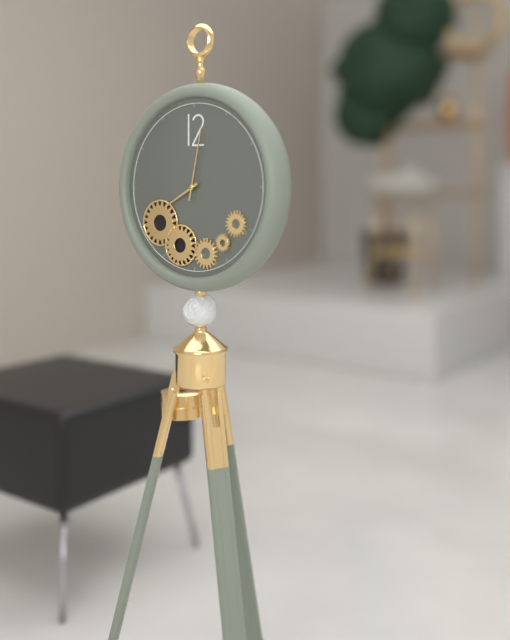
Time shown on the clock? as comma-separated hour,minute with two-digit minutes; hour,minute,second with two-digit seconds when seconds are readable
8,02
